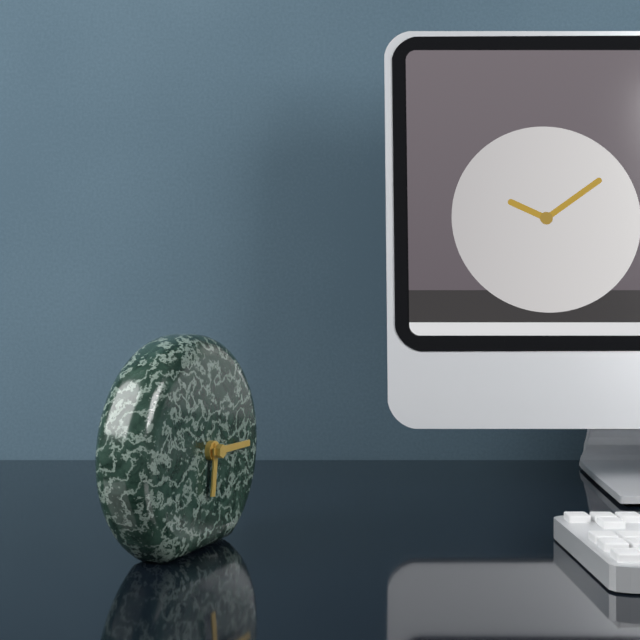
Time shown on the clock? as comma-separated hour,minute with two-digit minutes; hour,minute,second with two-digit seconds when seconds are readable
6,15
